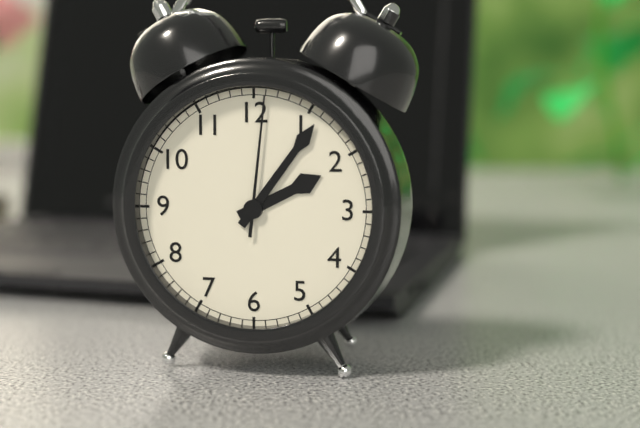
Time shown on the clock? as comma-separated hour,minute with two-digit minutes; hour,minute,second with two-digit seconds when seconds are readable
2,06,01
